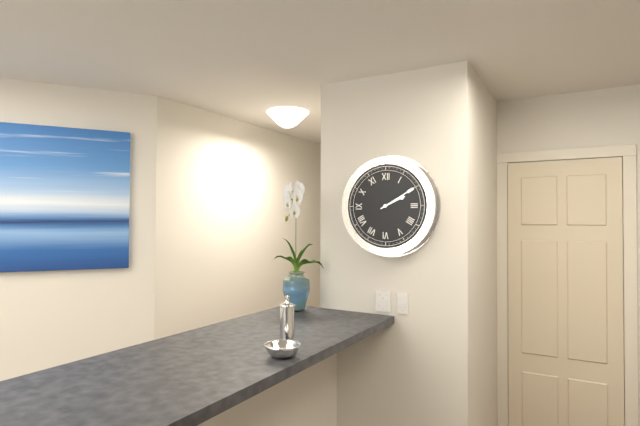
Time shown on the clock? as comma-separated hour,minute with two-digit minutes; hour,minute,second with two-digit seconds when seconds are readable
2,10
